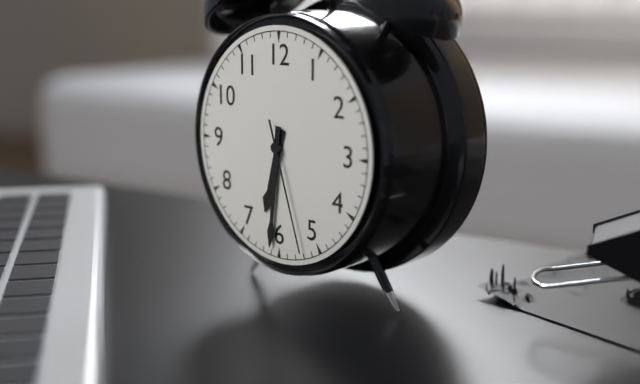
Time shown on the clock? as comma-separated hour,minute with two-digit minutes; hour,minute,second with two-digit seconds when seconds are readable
6,31,27
